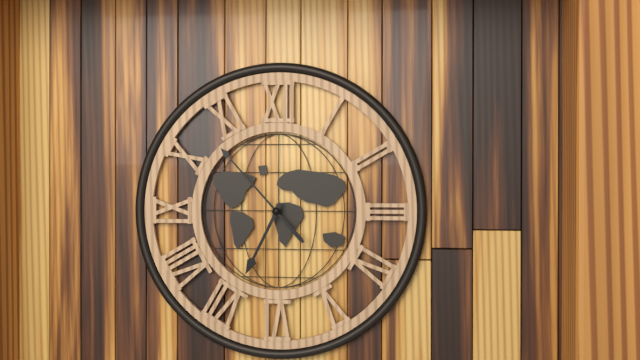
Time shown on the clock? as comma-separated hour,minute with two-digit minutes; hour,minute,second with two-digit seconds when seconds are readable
6,53
